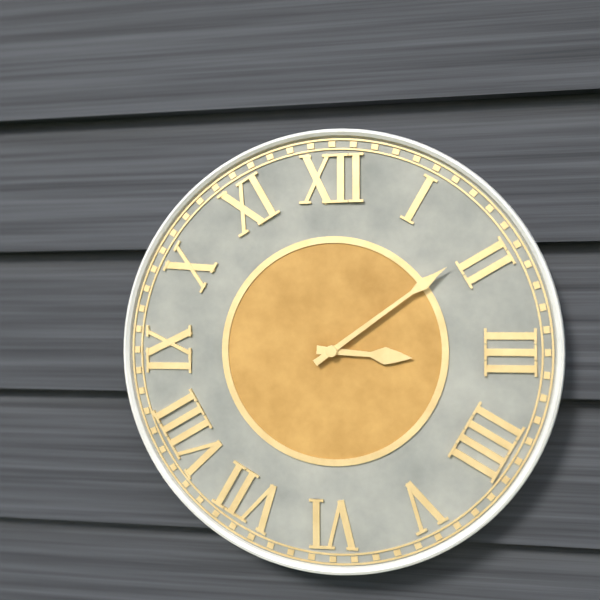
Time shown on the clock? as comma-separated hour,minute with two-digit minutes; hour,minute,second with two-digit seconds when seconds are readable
3,09
